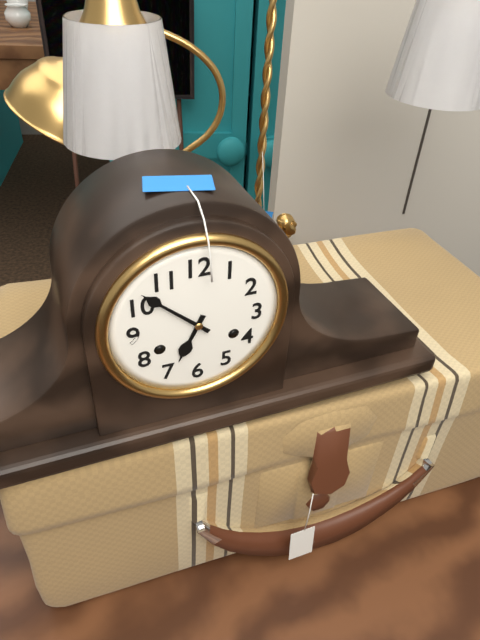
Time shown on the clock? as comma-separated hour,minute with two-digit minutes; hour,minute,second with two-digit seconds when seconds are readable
6,52
